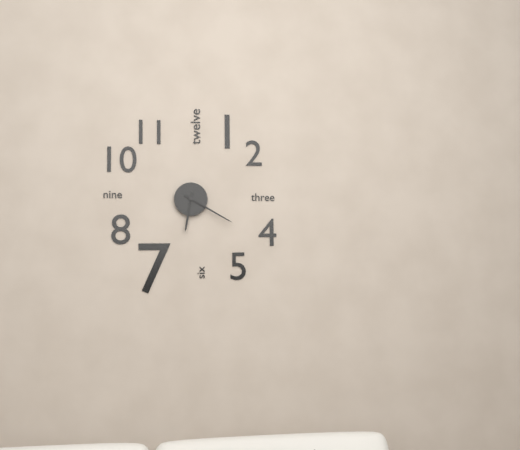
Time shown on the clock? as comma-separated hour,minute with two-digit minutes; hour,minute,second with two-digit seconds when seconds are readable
6,20
